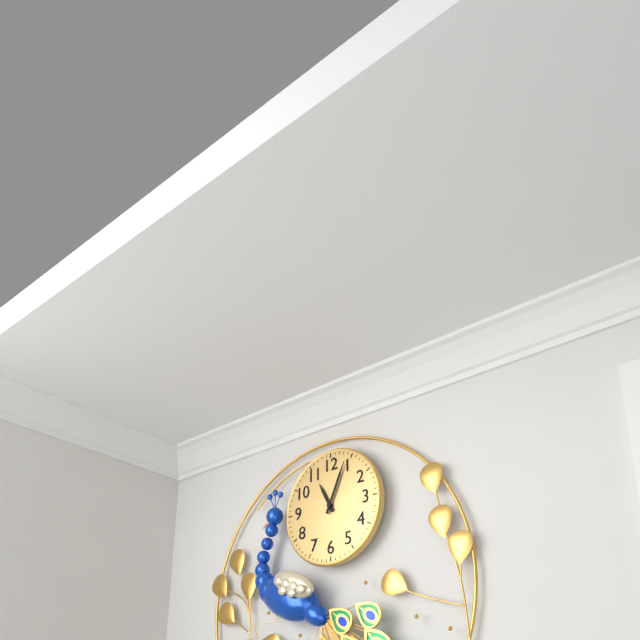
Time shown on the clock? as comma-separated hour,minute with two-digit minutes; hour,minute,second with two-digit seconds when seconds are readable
11,04
